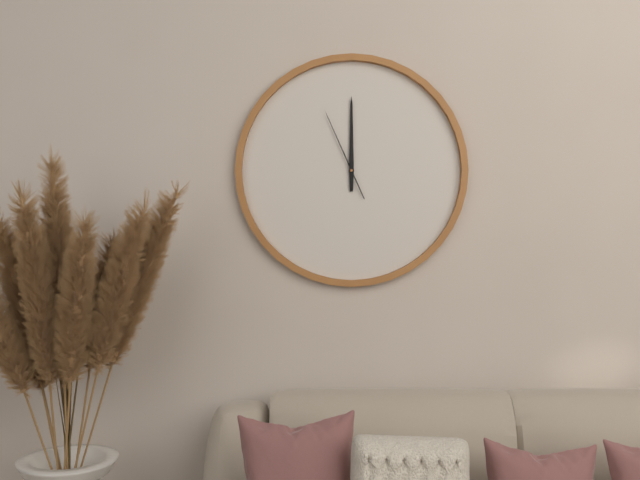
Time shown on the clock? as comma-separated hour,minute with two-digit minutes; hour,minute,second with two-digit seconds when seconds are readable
12,00,56
